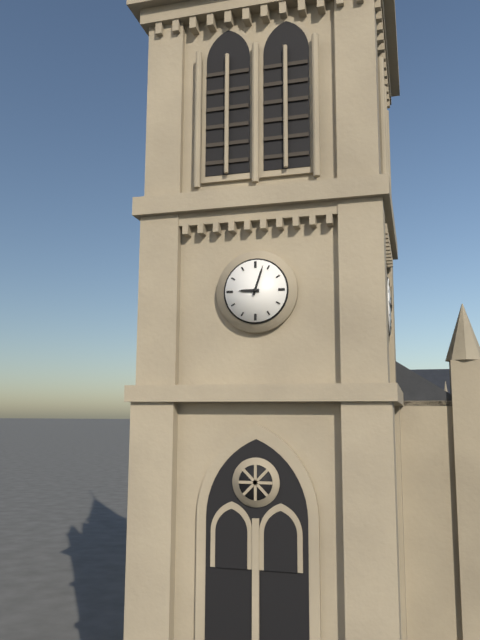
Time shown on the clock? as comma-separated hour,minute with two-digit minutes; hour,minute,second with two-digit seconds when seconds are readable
9,03
